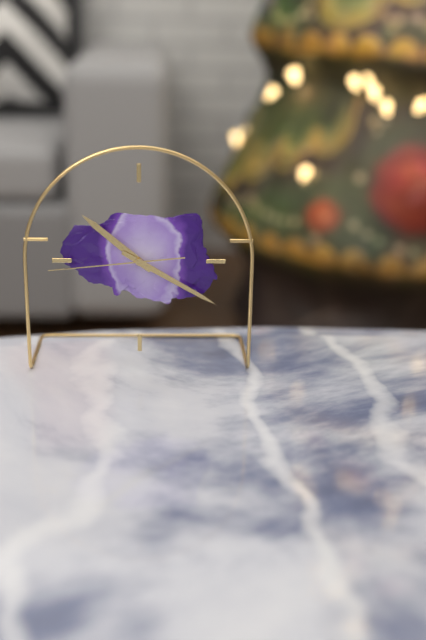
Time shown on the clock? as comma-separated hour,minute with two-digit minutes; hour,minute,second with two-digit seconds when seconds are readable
10,20,44
